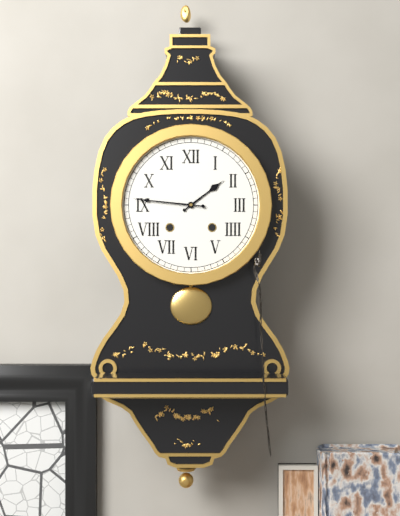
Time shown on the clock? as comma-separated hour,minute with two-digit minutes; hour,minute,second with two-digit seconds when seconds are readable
1,46
